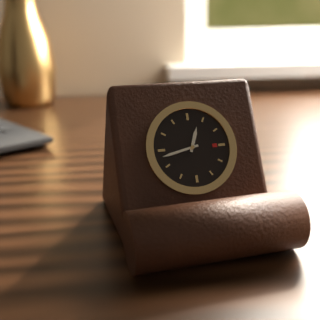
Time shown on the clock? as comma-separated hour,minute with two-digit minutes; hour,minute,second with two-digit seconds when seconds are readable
12,43
